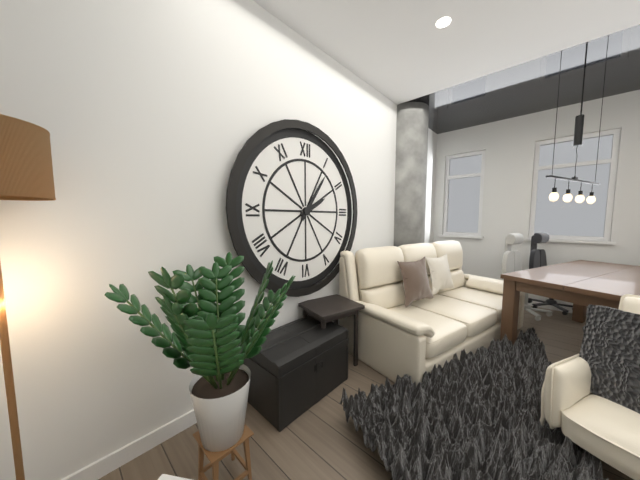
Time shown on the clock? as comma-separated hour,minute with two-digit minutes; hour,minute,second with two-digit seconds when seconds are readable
2,06
